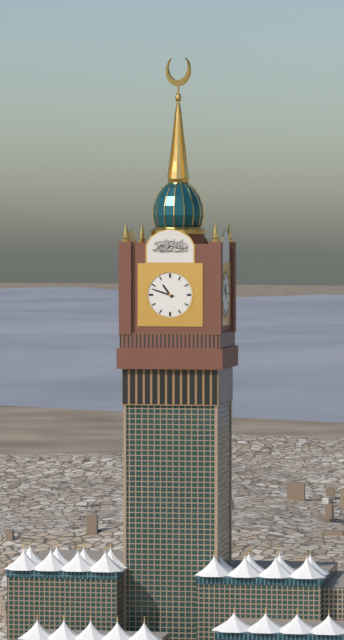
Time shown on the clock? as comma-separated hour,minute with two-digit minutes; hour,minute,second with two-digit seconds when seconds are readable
10,48
